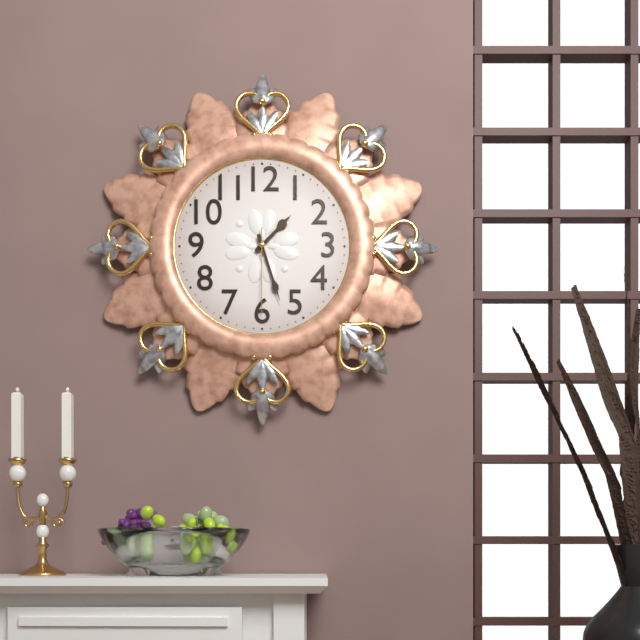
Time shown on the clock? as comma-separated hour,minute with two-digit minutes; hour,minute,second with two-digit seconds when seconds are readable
1,27,30
